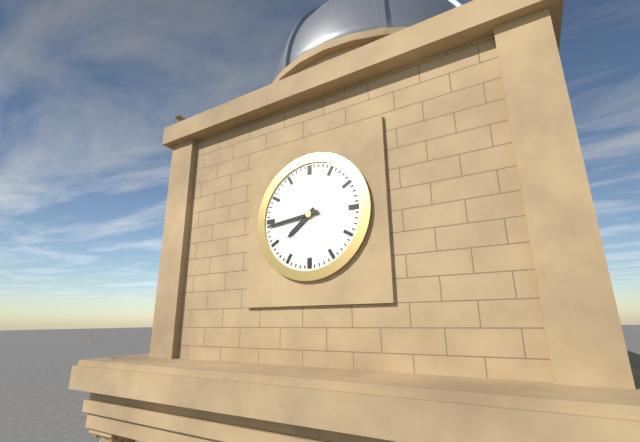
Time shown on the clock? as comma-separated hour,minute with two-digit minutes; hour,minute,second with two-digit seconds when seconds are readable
7,44
